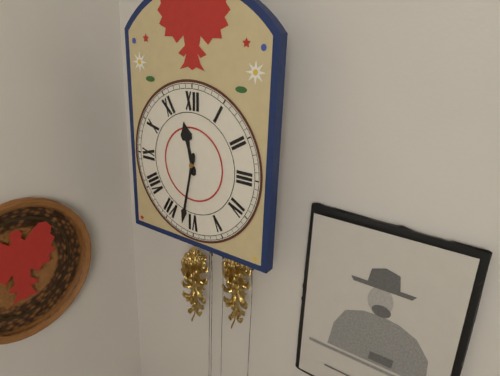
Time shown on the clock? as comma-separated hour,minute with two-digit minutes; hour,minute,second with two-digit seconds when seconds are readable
11,32
